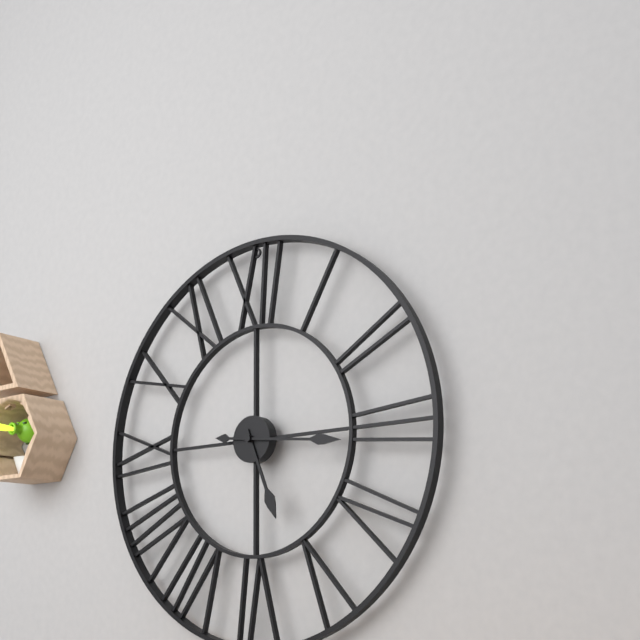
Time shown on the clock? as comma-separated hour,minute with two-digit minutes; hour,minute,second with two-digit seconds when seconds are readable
5,16
